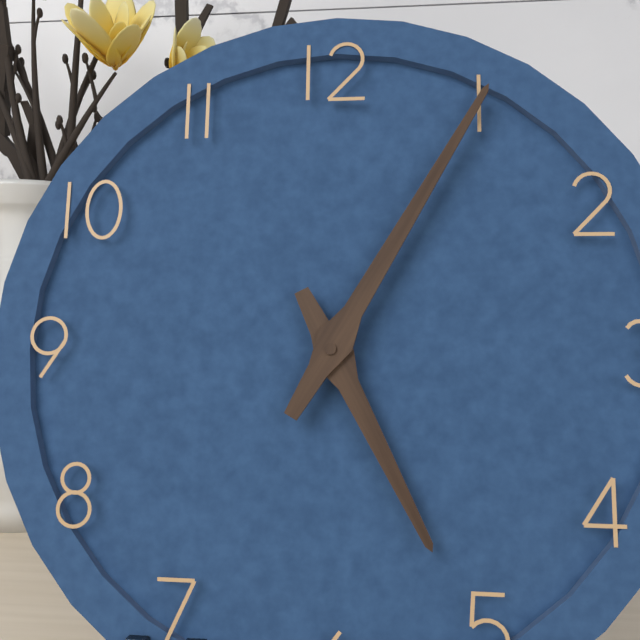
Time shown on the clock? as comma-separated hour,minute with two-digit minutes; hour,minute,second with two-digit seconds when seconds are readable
5,05
